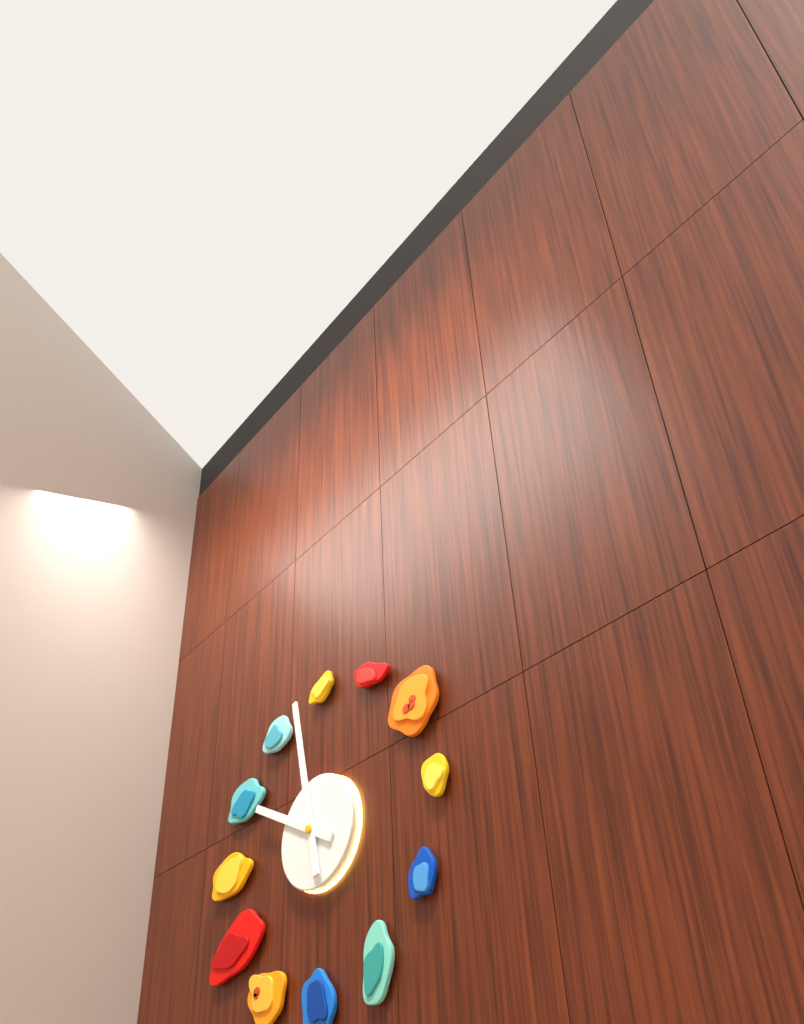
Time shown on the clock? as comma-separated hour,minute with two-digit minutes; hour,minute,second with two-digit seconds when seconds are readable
9,58
